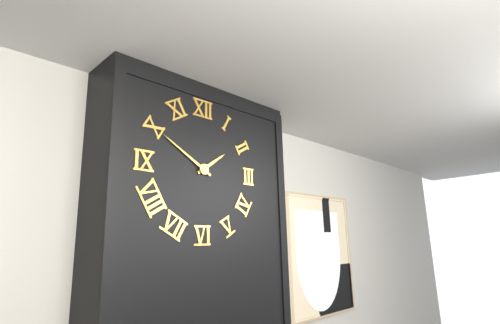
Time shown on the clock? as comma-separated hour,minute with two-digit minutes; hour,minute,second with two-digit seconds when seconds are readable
1,50
